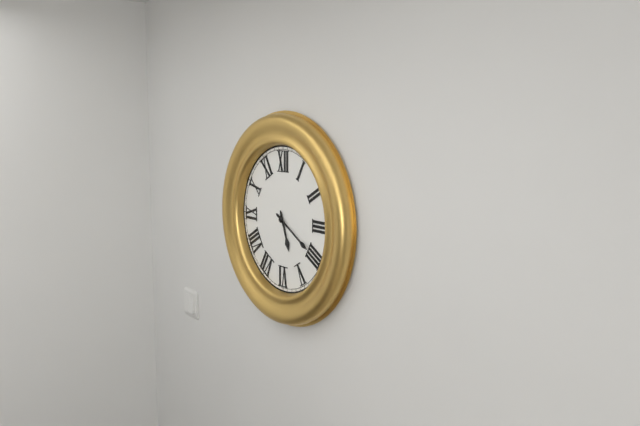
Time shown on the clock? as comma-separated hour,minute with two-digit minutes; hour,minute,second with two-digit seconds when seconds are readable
5,20
